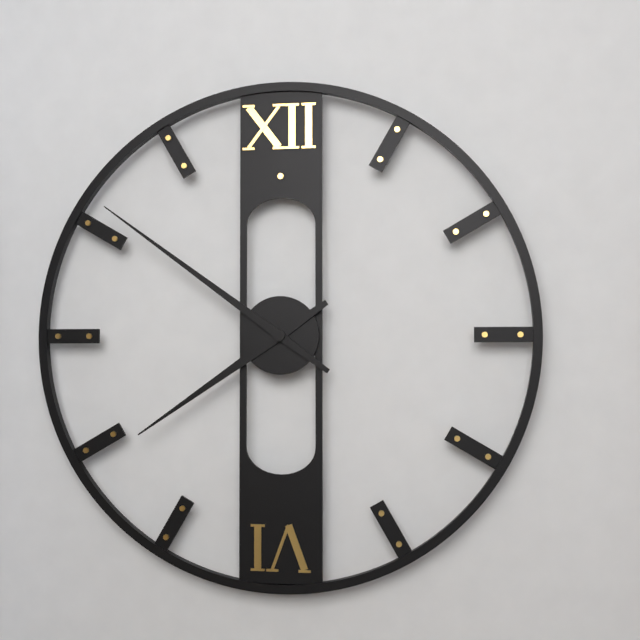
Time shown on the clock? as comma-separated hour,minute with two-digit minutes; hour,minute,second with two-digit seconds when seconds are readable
7,51
